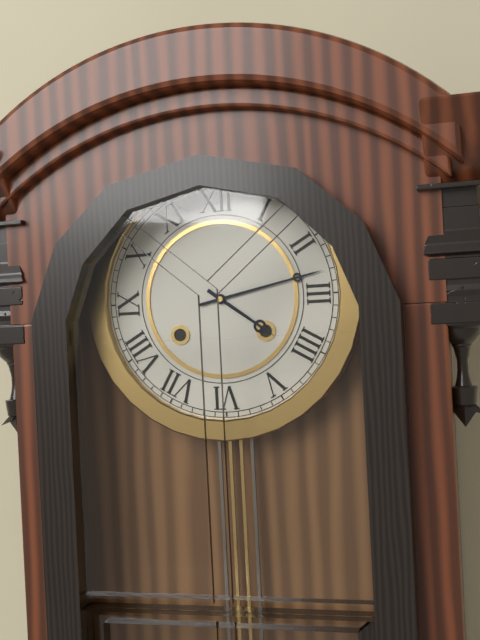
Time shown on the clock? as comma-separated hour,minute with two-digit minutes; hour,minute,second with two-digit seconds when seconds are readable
4,13
